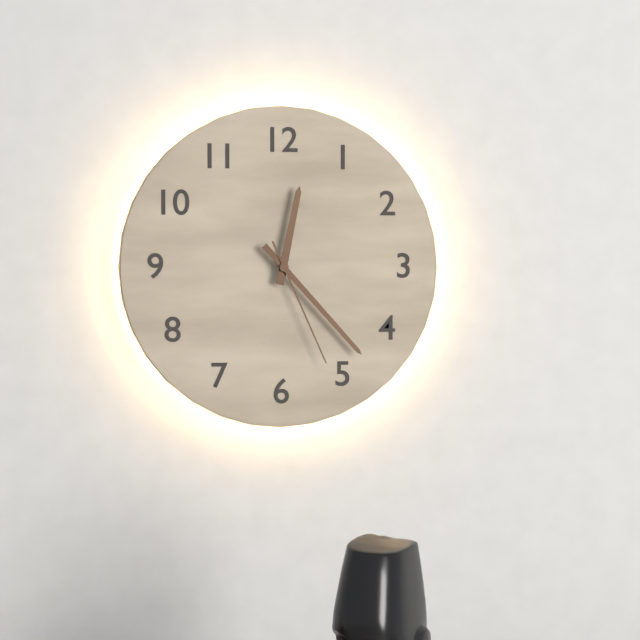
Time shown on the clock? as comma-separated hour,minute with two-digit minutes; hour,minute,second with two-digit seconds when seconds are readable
12,23,26
